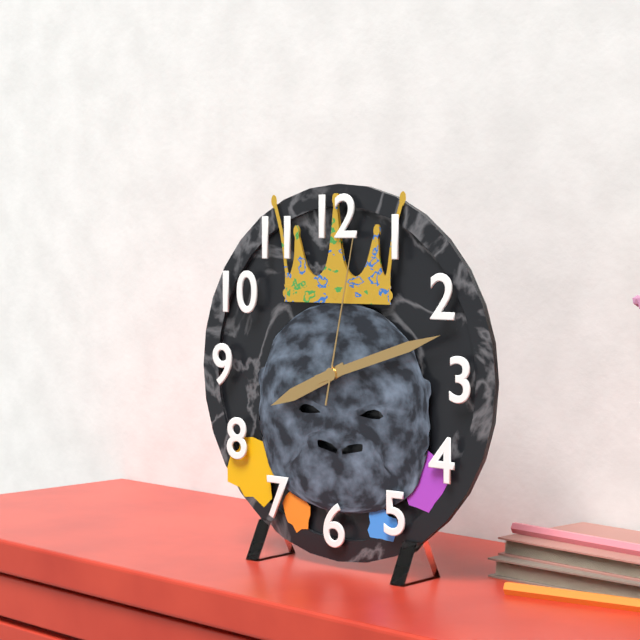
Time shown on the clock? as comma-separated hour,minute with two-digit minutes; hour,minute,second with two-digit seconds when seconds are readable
8,12,02
